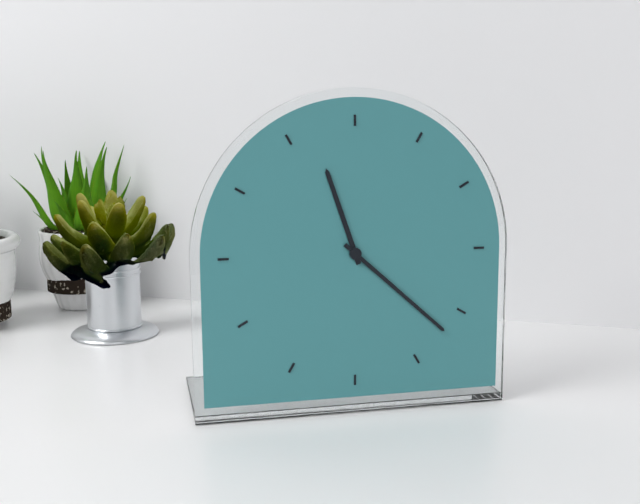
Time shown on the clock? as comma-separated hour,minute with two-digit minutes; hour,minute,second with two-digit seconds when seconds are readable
11,22
